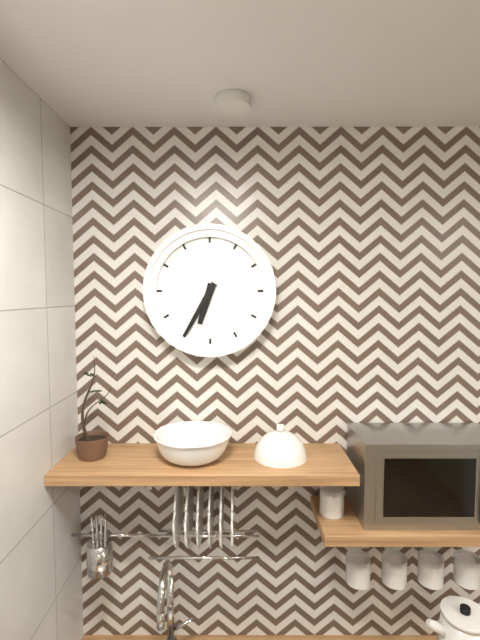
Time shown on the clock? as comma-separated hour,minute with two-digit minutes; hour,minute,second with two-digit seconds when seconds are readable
6,35
